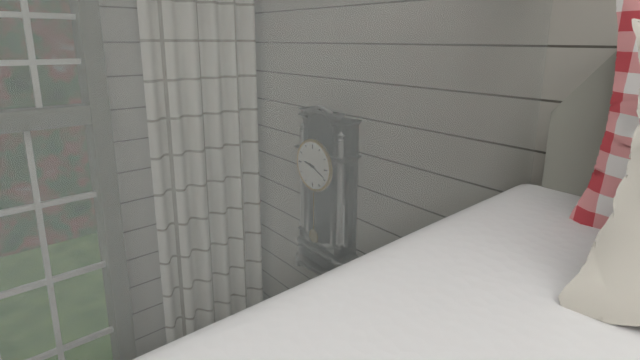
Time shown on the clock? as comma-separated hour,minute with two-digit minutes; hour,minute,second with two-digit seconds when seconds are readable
9,19
